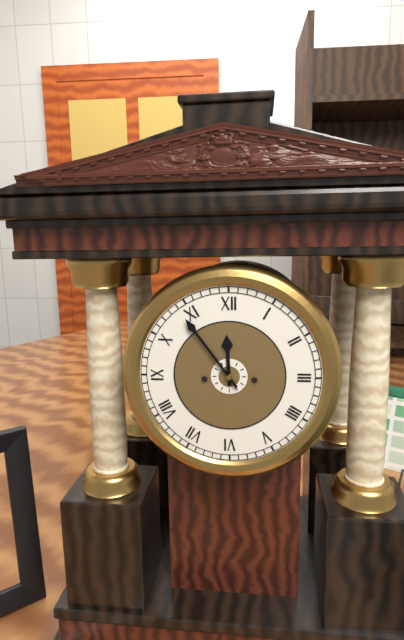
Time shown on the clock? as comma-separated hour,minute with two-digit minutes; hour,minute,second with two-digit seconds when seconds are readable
11,54
